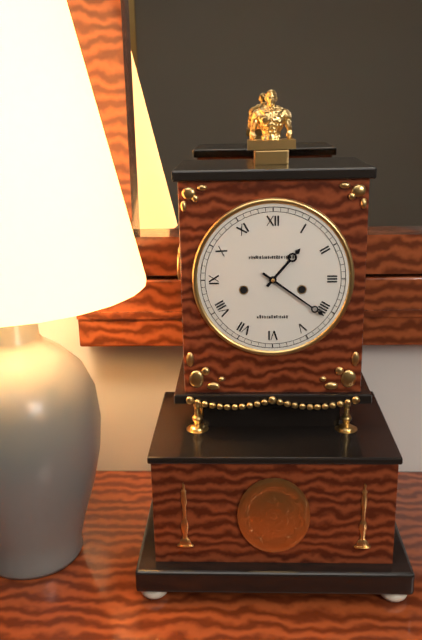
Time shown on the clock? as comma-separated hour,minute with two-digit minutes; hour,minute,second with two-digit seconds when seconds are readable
1,21
